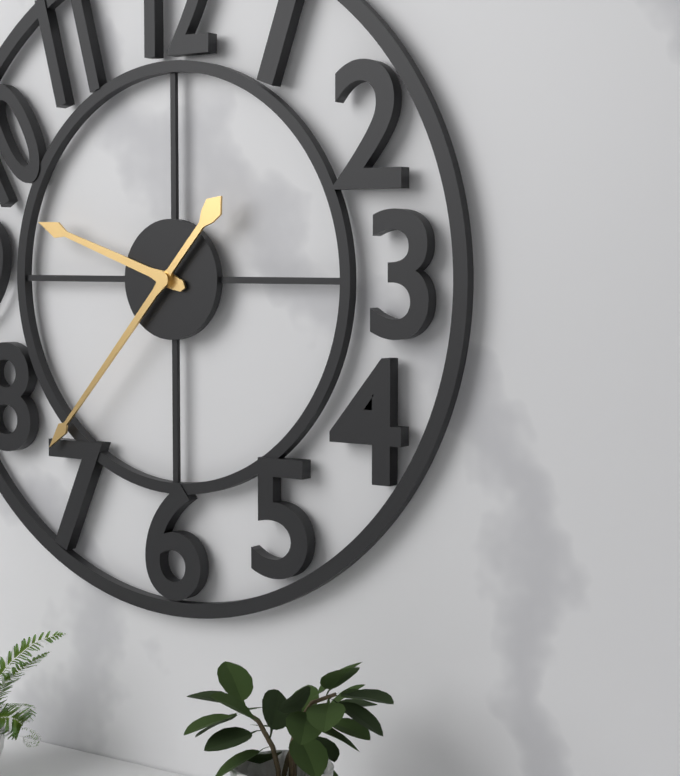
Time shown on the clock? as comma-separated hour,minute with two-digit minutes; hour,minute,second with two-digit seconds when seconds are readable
9,37
